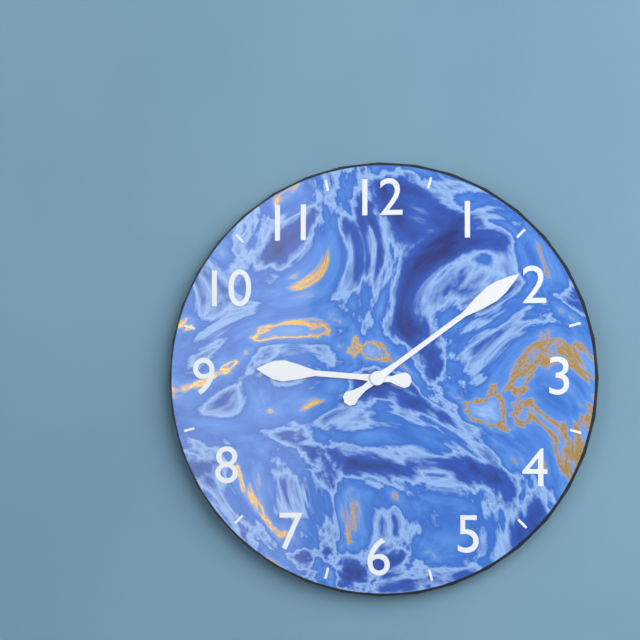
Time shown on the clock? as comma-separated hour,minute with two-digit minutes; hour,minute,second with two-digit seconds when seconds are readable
9,09
